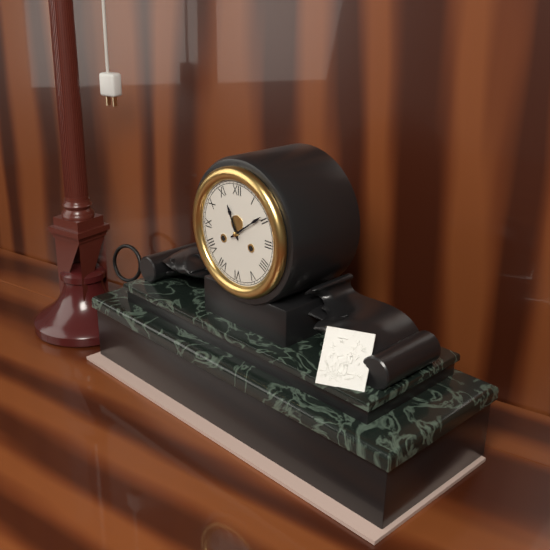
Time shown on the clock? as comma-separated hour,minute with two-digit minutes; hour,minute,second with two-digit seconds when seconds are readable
11,09
